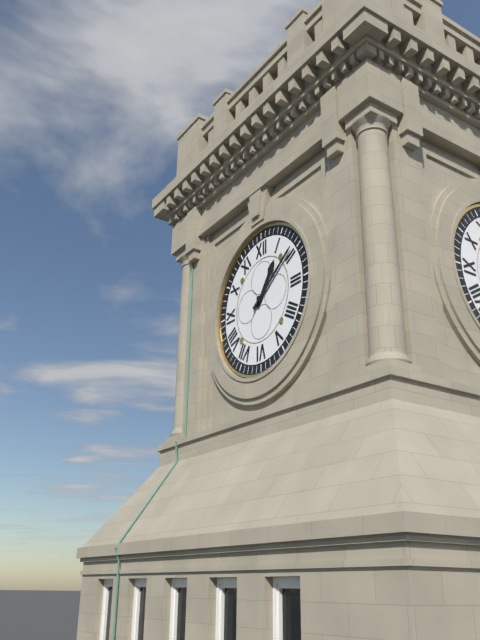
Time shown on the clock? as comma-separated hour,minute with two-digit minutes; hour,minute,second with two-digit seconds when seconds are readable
1,09
